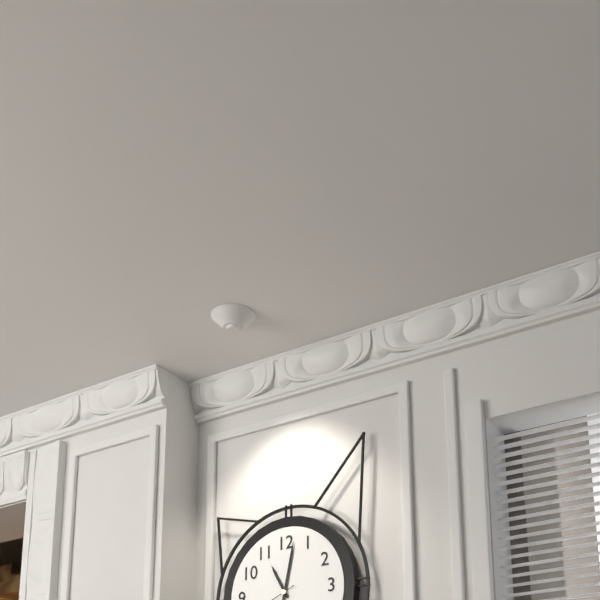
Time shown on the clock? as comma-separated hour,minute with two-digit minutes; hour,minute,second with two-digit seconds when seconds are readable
11,02
